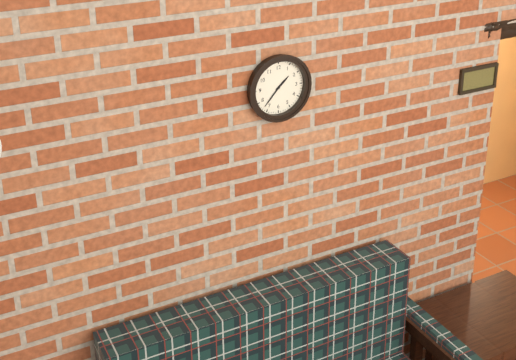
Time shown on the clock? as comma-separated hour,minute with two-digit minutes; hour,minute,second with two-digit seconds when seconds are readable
1,37
